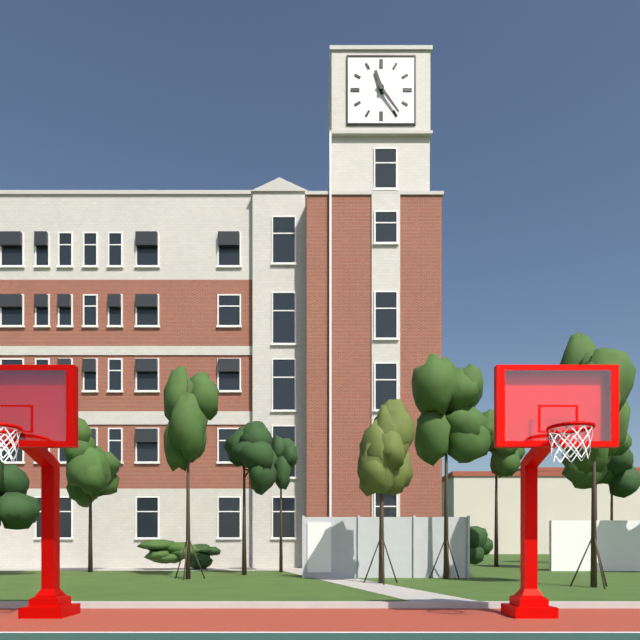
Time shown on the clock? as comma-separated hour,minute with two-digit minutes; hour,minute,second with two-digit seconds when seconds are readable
11,24
